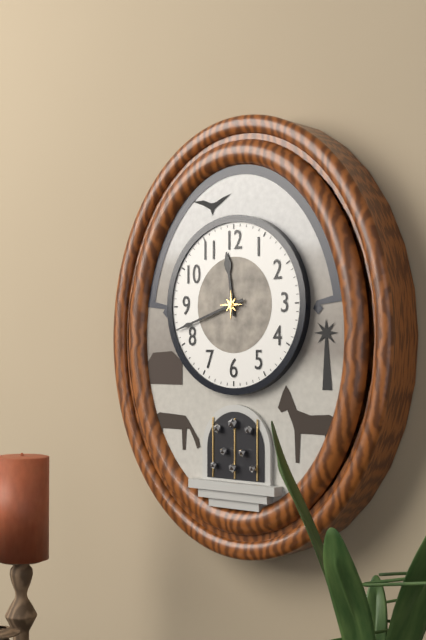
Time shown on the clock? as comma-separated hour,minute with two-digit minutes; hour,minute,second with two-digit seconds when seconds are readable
11,42
